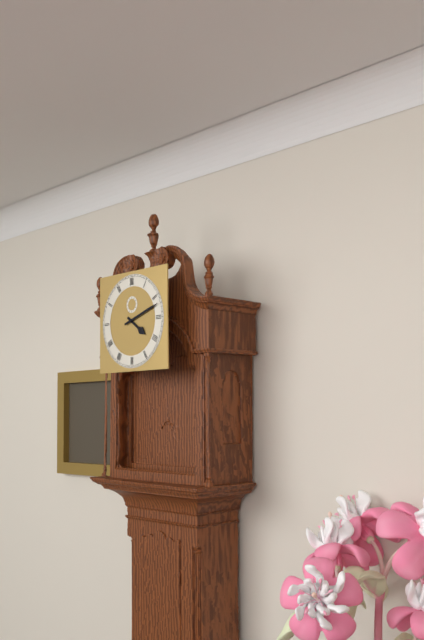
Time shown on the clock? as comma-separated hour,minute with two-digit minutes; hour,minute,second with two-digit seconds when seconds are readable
4,12
